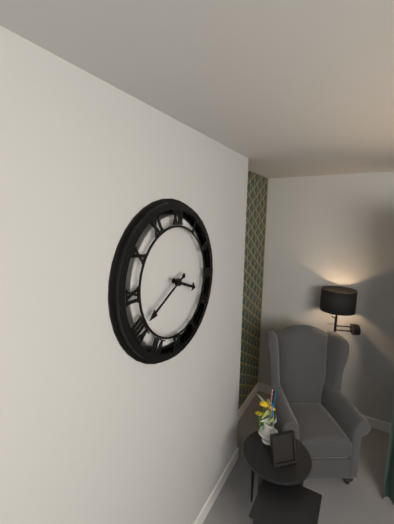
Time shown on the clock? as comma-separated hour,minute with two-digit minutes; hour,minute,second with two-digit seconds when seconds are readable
3,40
